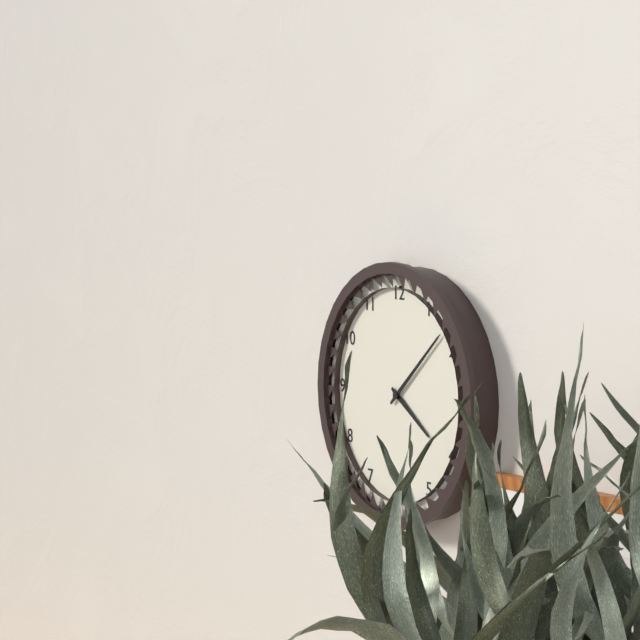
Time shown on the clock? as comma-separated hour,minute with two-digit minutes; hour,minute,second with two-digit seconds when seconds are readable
4,08
